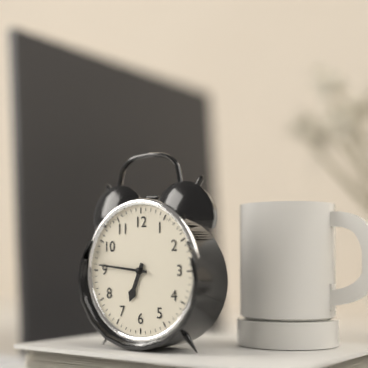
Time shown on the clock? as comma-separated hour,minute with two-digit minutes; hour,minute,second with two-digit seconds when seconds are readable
6,46
